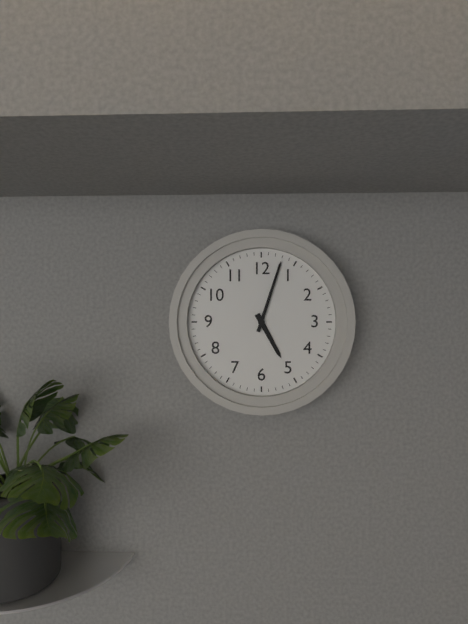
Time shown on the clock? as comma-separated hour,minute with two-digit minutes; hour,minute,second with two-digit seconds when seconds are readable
5,03
